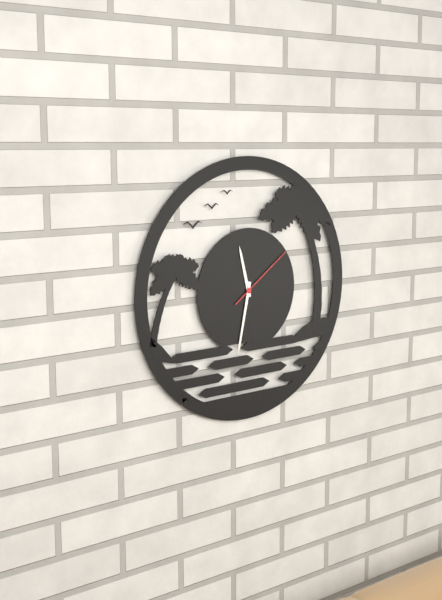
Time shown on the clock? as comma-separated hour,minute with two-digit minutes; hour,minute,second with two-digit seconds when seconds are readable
11,32,09
